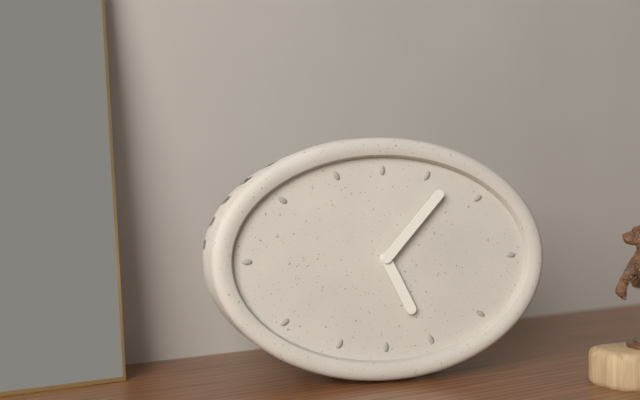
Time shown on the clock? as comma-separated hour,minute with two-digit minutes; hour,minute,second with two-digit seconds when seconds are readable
5,07
